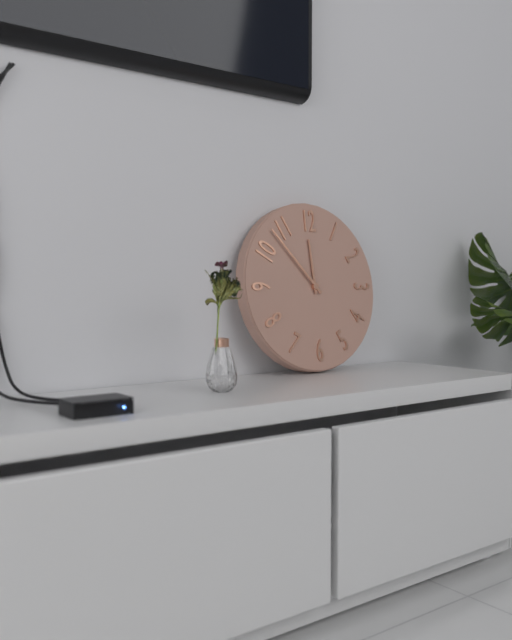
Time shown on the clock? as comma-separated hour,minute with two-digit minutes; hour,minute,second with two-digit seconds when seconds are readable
11,53
